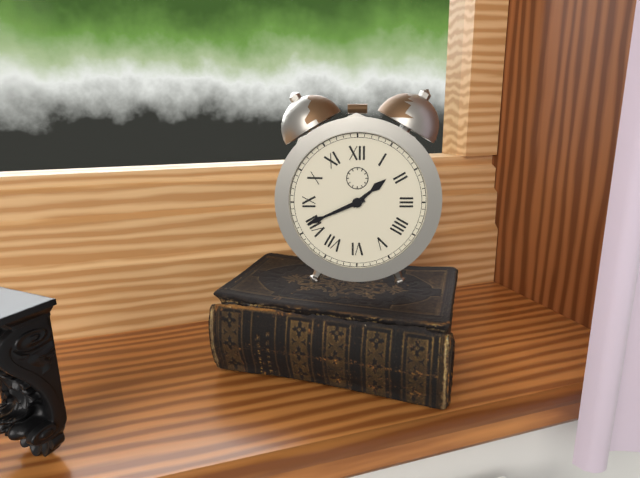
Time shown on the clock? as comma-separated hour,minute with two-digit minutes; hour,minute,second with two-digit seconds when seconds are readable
1,41
